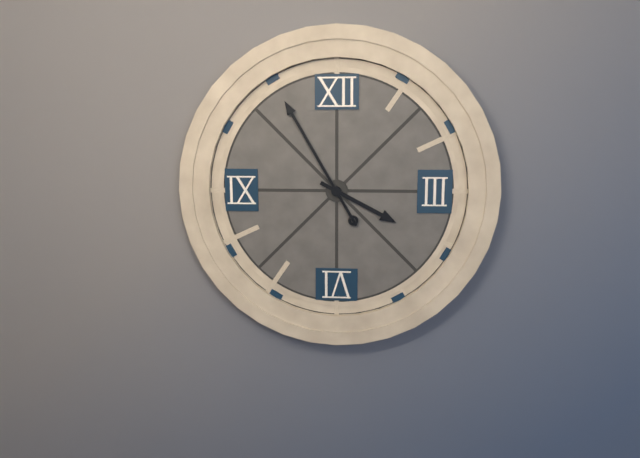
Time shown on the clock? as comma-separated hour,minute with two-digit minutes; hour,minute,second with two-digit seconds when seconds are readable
3,55
